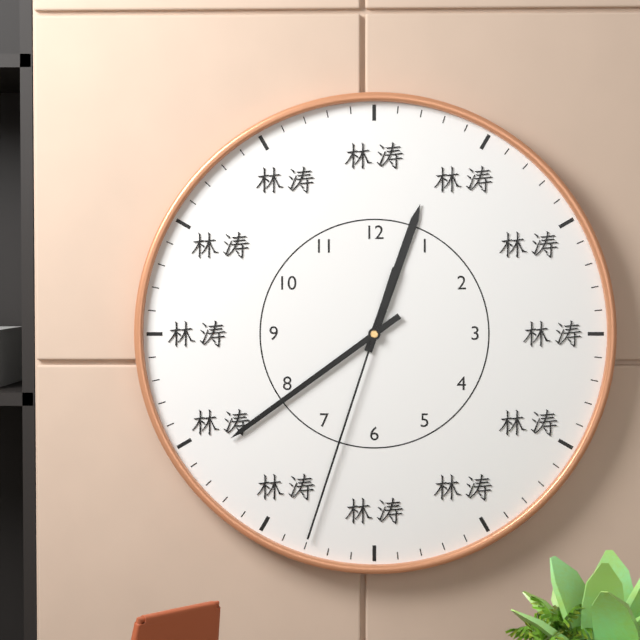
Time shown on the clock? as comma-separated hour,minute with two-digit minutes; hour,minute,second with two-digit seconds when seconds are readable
12,39,33
